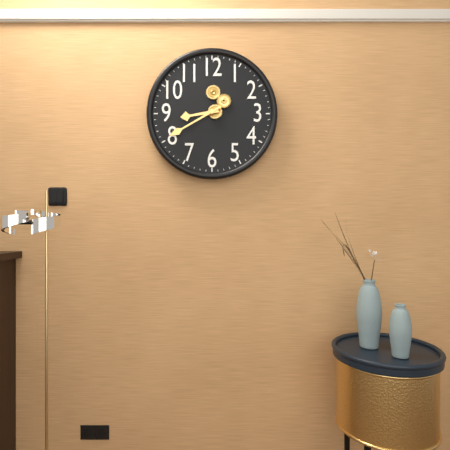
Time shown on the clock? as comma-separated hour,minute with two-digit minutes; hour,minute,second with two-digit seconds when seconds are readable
8,40
